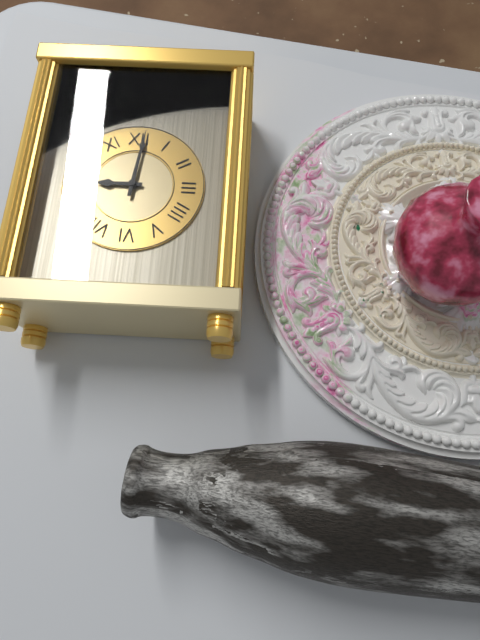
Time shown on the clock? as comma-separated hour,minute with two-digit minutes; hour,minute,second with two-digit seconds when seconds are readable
9,01
